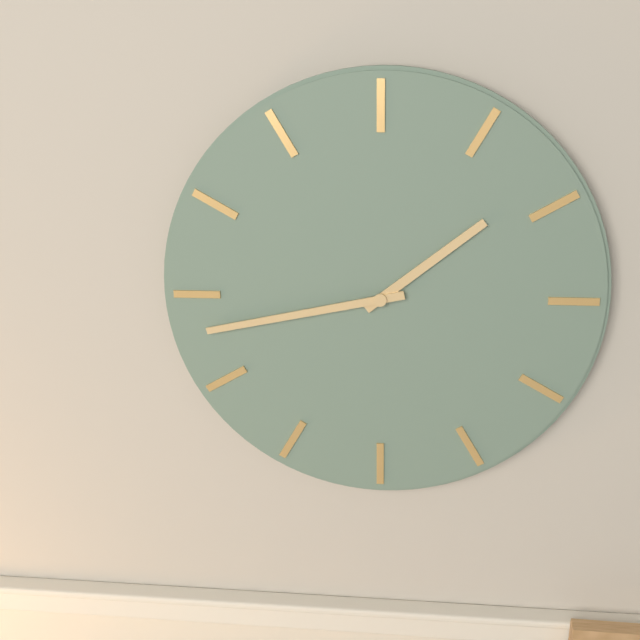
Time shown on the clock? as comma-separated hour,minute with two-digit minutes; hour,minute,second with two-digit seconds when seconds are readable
1,43
